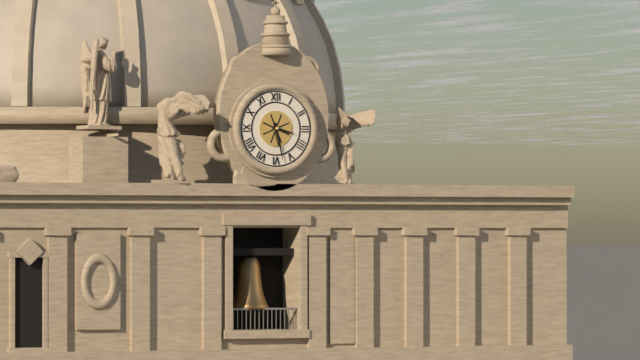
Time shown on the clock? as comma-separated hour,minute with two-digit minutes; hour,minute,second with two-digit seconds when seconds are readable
3,28
